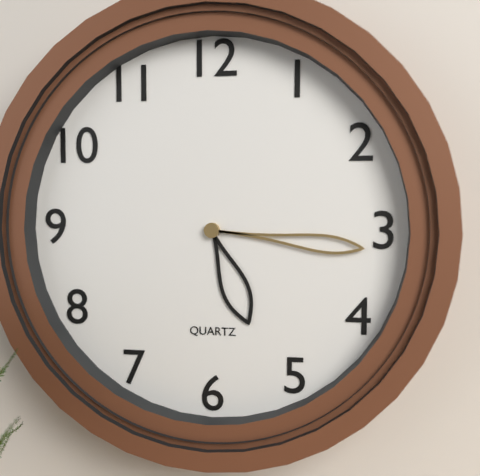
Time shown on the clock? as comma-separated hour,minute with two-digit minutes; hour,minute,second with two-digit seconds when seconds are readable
5,16
